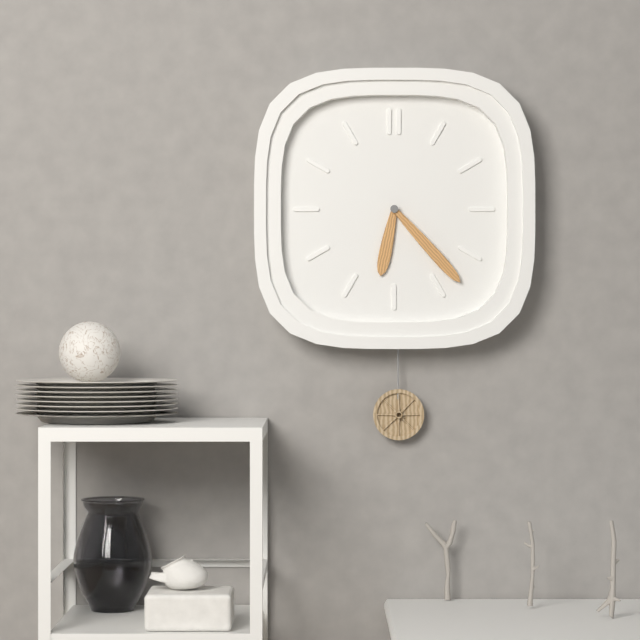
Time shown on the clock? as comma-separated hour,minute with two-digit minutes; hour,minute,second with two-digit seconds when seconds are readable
6,23
